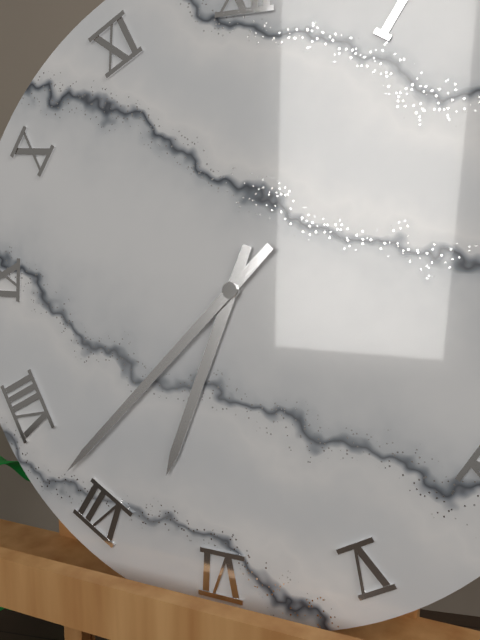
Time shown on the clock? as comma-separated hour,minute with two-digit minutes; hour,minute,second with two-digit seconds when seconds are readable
6,37
